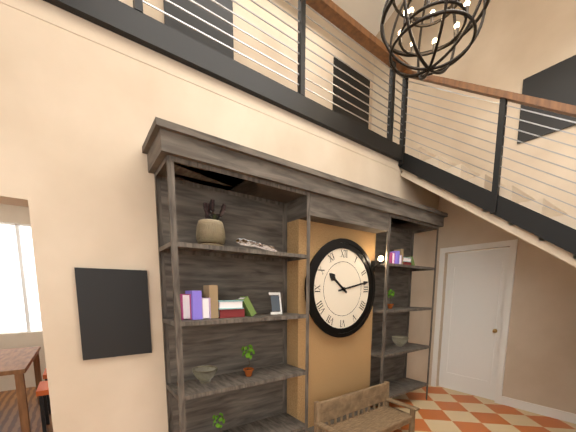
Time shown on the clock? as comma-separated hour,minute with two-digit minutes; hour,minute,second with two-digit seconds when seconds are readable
10,13
